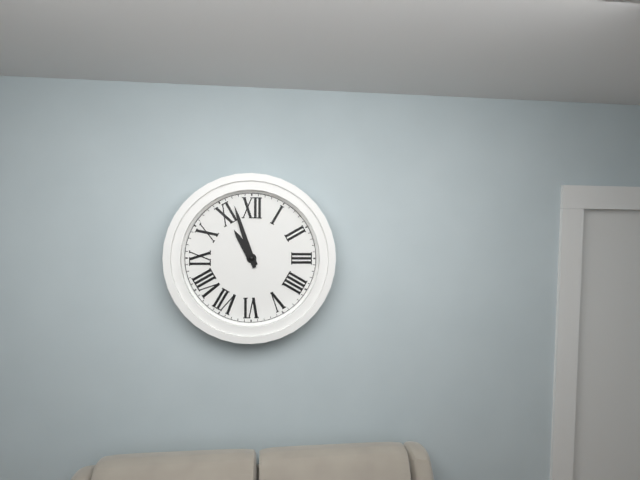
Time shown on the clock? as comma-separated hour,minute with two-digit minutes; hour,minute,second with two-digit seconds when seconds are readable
10,57
